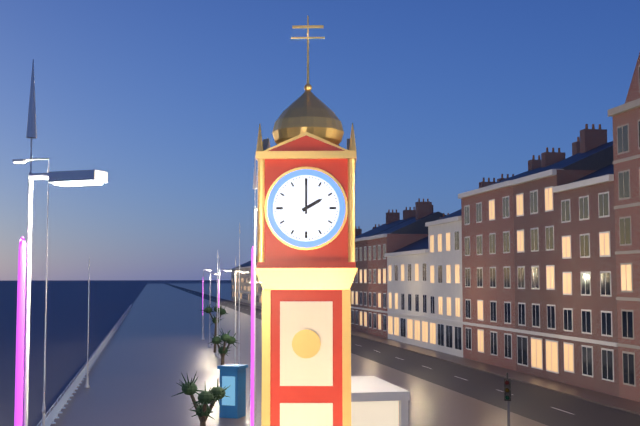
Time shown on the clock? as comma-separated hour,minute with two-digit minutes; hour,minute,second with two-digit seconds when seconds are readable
2,00
